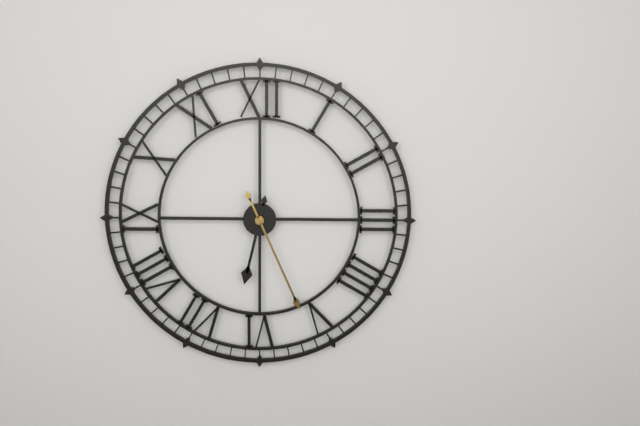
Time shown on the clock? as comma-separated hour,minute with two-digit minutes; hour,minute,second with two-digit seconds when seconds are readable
6,26
